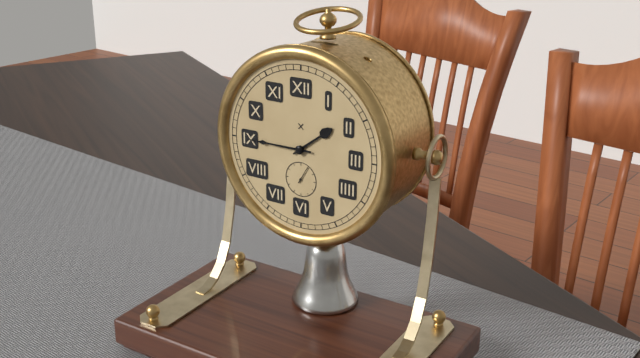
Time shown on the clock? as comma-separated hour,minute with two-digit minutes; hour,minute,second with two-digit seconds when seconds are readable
1,45
